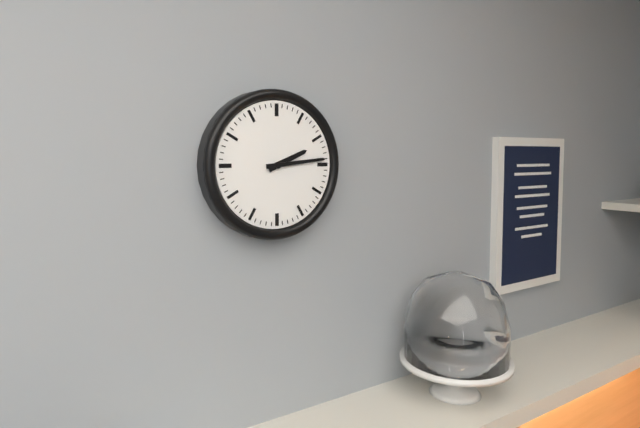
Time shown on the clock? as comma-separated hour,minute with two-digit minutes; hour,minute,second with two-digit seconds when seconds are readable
2,14
